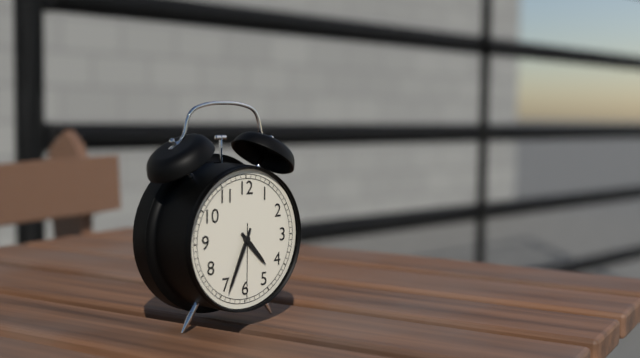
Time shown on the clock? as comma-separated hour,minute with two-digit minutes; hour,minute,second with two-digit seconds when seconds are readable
4,34,30
